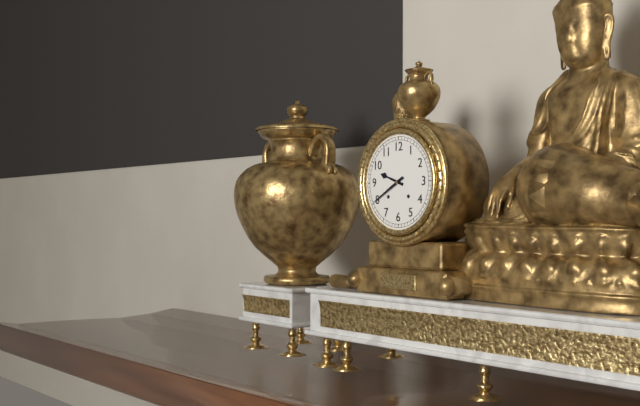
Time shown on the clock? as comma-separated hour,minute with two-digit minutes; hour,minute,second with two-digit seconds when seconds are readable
9,40
